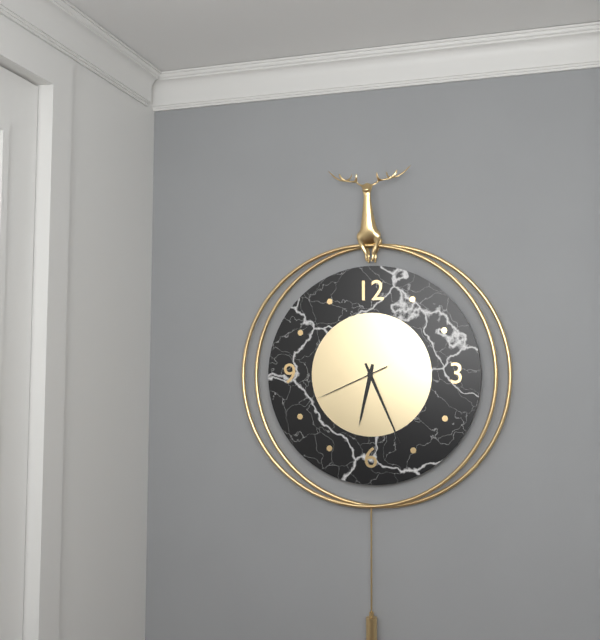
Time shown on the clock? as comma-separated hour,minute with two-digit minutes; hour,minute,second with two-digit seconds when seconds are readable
6,26,41
